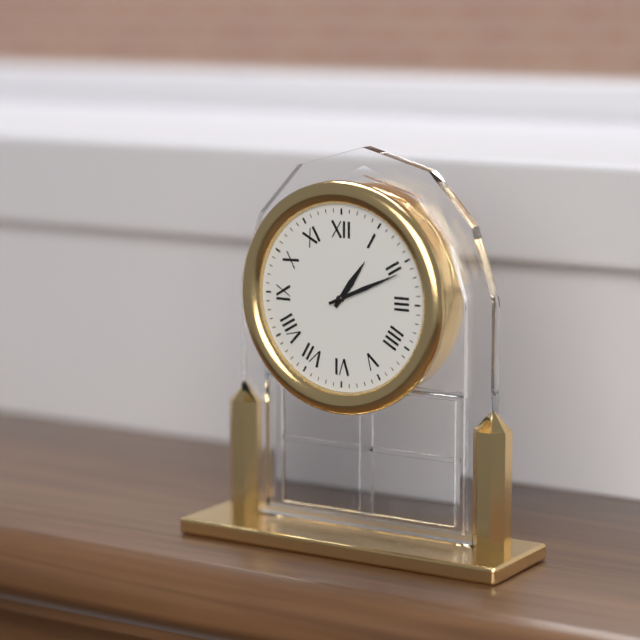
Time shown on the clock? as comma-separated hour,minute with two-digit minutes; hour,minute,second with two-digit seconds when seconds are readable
1,11
